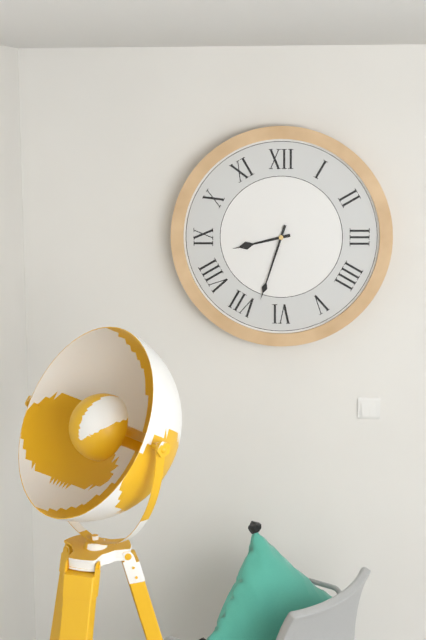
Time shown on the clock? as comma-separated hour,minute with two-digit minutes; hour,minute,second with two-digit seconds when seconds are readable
8,33
